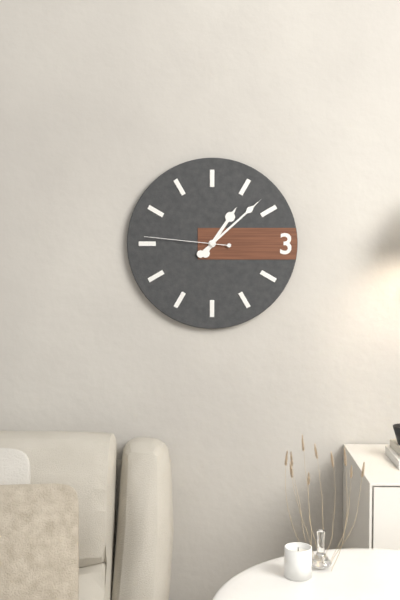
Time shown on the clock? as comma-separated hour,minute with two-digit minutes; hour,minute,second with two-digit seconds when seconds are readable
1,08,46
